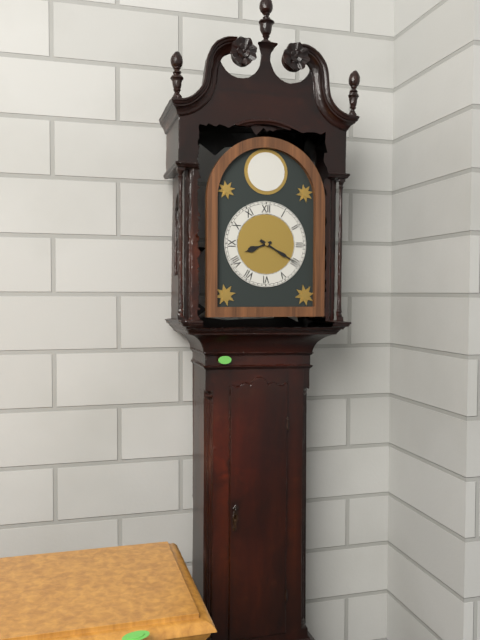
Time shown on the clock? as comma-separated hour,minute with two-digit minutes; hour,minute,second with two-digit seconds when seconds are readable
8,20
